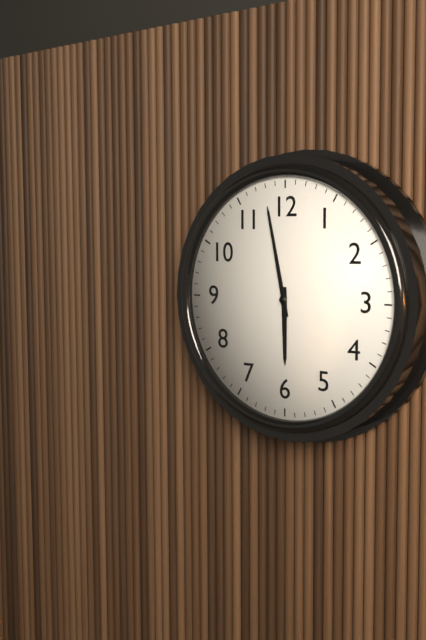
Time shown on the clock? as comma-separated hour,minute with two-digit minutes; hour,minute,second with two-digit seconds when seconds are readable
5,58
